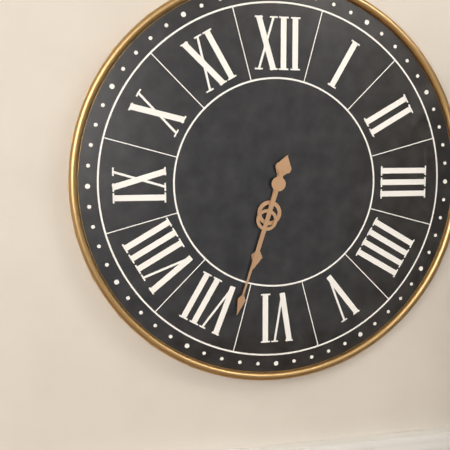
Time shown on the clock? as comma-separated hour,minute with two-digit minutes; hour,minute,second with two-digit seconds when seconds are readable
6,33
